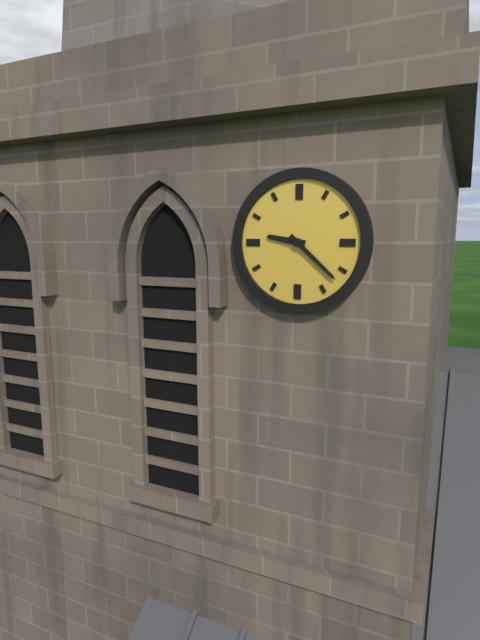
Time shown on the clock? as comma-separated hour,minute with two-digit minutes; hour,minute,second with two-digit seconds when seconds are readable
9,22
